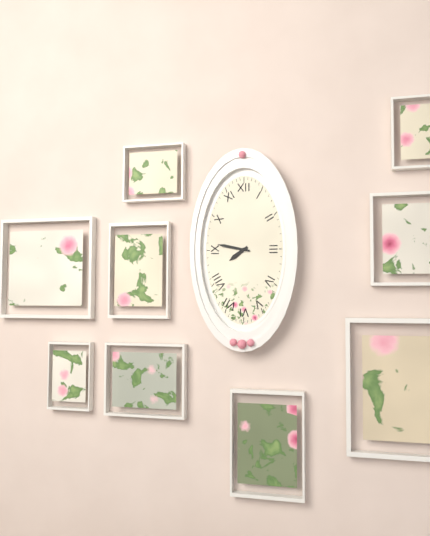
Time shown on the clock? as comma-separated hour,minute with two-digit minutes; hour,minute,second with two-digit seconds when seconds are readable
7,47
